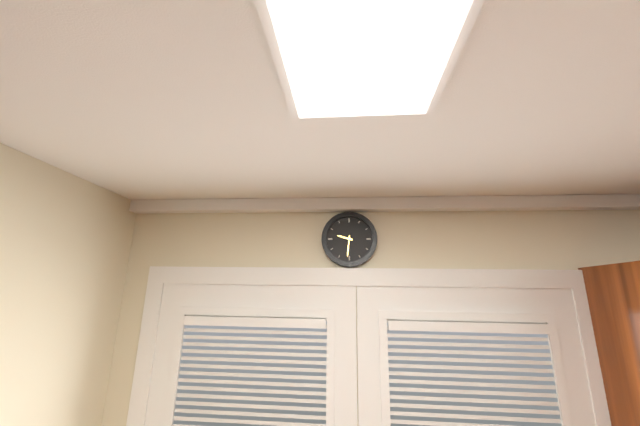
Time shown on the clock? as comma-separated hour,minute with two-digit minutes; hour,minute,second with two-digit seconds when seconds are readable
9,31
